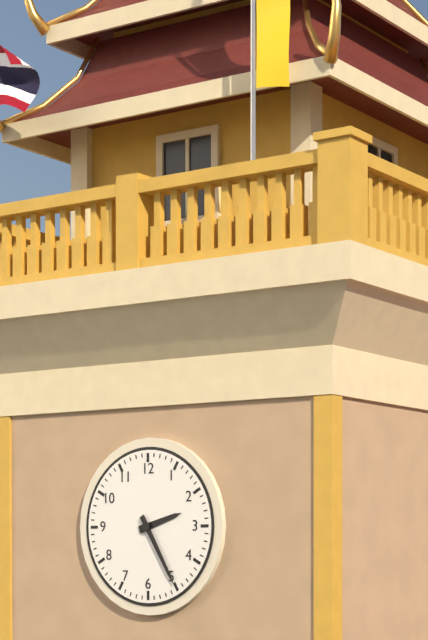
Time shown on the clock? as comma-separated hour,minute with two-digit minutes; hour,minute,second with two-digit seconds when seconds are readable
2,25
